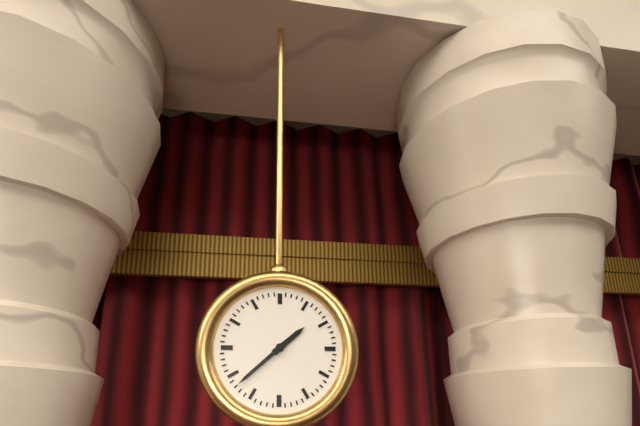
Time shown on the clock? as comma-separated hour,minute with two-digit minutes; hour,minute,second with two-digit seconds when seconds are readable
1,38
